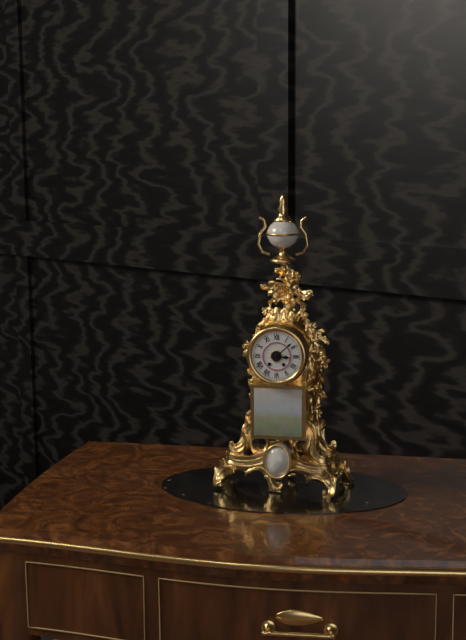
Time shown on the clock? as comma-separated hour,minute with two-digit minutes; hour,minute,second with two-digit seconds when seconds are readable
3,08
